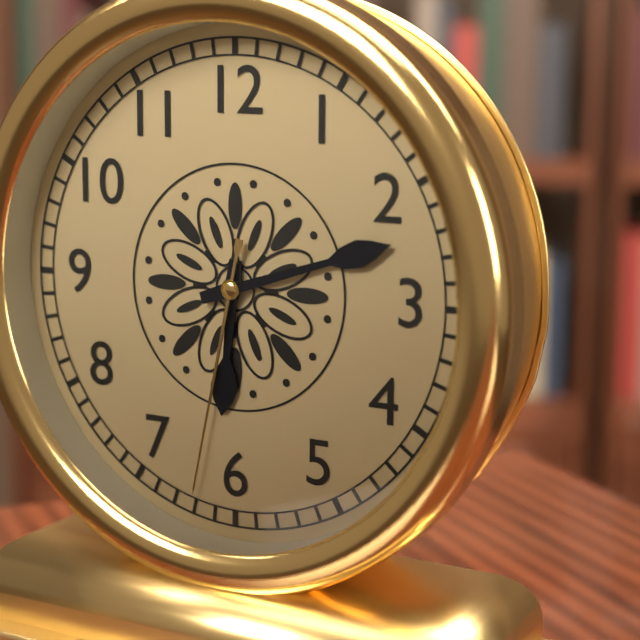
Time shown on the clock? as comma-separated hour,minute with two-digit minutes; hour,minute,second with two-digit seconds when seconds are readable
6,12,32
